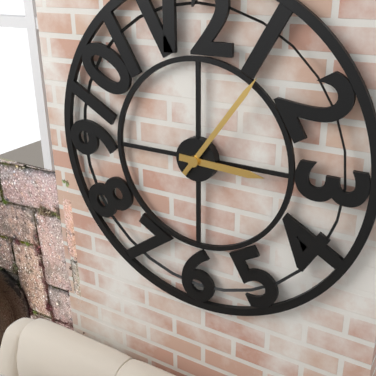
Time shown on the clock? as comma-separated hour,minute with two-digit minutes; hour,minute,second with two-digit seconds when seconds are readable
3,06
